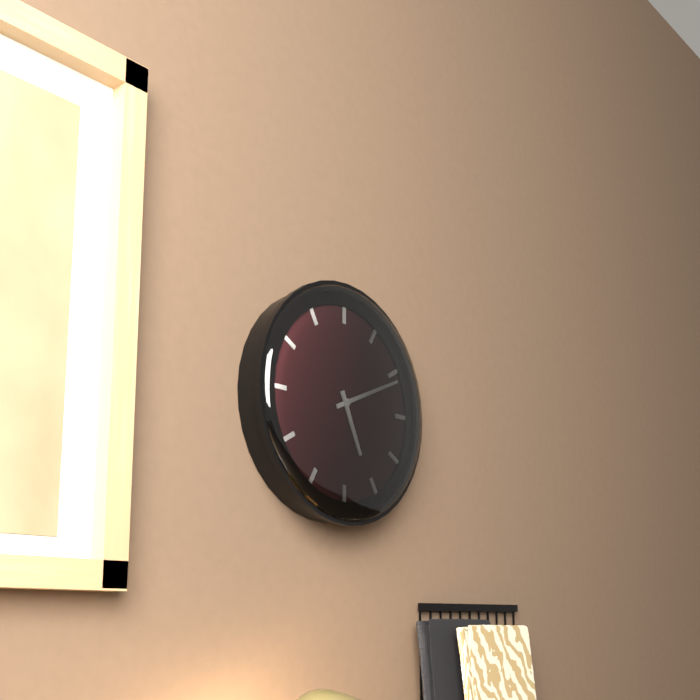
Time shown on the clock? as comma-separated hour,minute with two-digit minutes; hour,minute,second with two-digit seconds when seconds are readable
5,11
